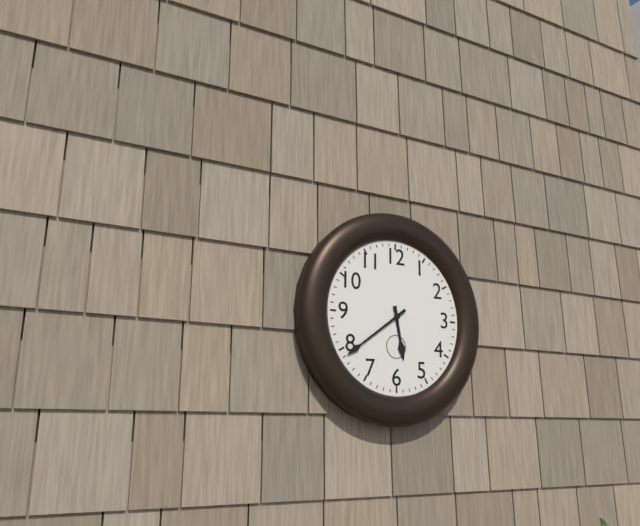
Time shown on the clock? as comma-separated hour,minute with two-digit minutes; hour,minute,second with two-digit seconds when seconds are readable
5,39
